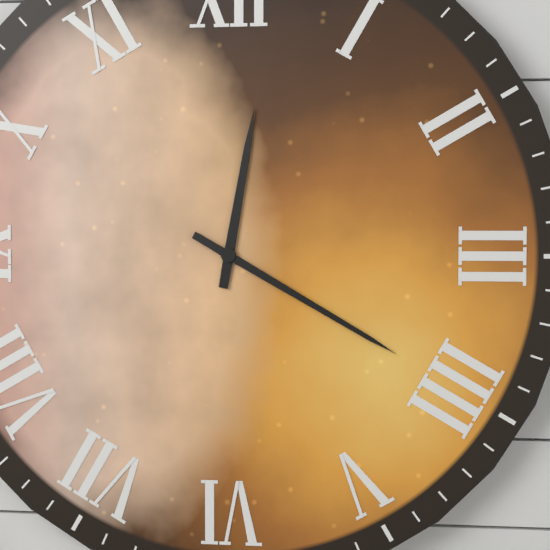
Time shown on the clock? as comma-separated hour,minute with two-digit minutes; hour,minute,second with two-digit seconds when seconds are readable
12,20
